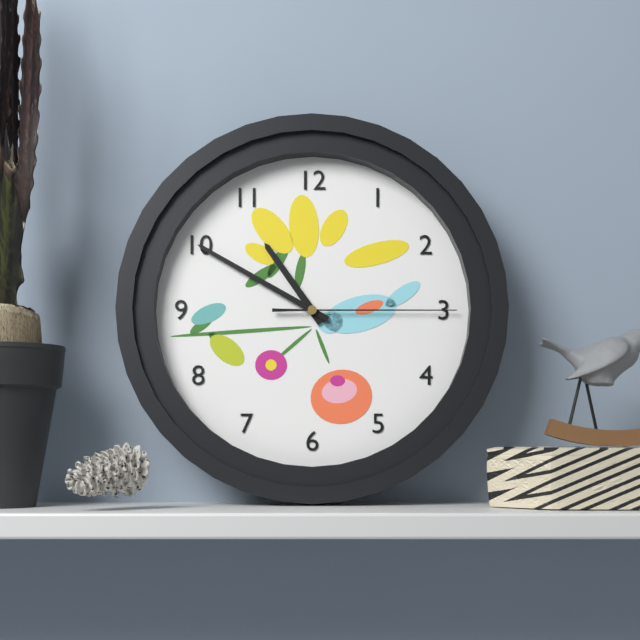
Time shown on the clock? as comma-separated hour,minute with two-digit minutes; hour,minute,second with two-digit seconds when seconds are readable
10,50,15
